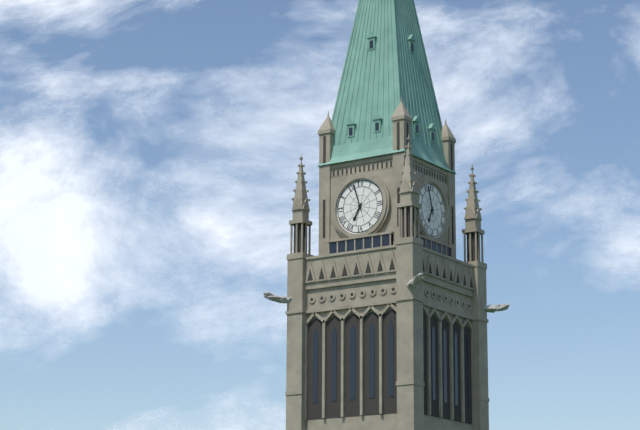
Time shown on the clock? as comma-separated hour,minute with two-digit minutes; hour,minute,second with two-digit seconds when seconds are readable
6,57
